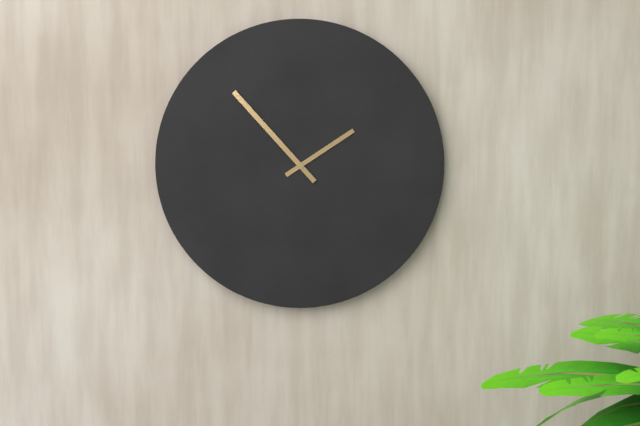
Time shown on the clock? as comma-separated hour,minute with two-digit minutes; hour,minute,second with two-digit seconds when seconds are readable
1,53
